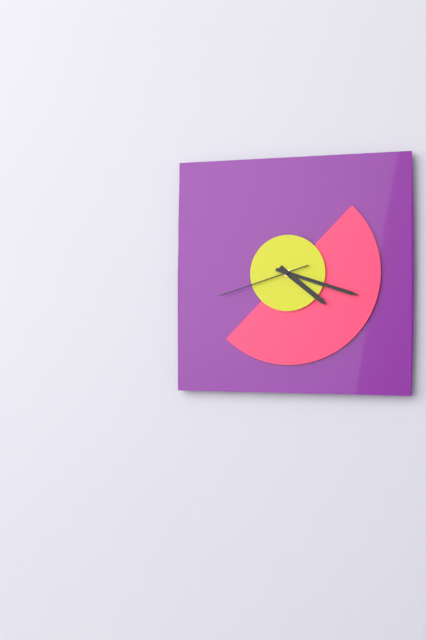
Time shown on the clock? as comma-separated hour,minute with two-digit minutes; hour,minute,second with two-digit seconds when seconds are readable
4,18,42
